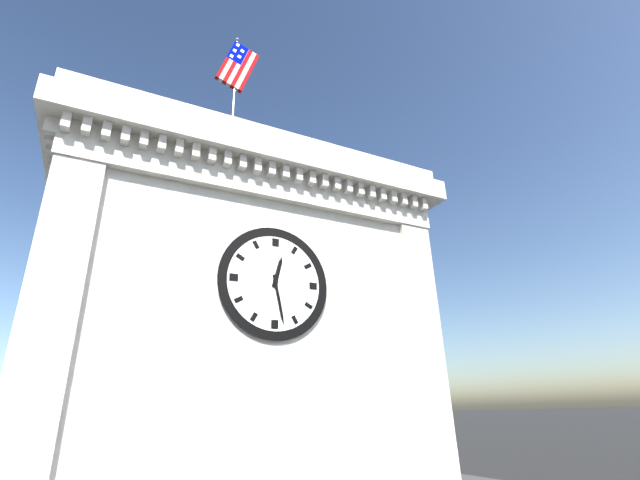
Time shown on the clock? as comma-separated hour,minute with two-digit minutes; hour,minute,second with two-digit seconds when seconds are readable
12,28
